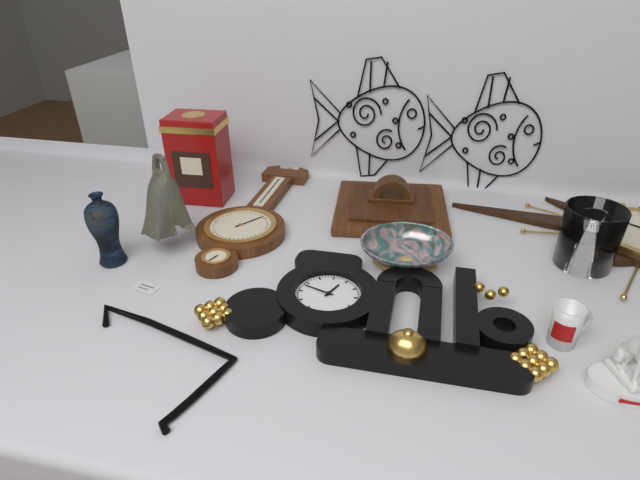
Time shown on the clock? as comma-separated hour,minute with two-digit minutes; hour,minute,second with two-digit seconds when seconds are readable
12,48
